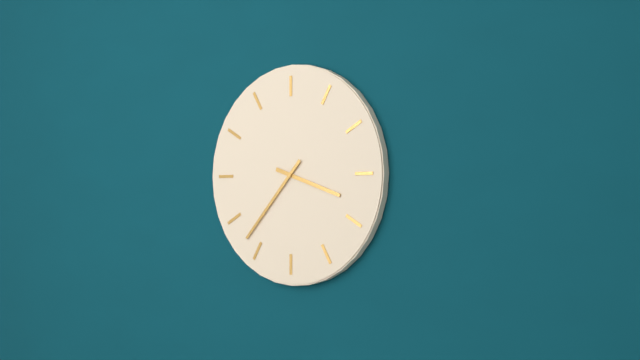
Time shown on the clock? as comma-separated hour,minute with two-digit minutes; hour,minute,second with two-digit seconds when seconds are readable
3,37
